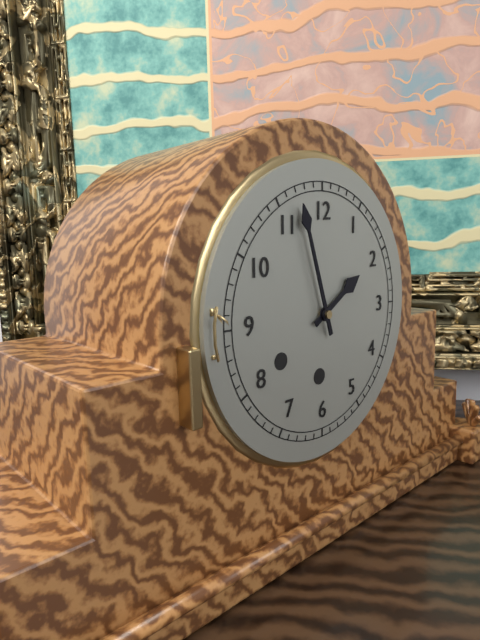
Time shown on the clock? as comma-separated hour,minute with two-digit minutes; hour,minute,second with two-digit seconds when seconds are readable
1,57
